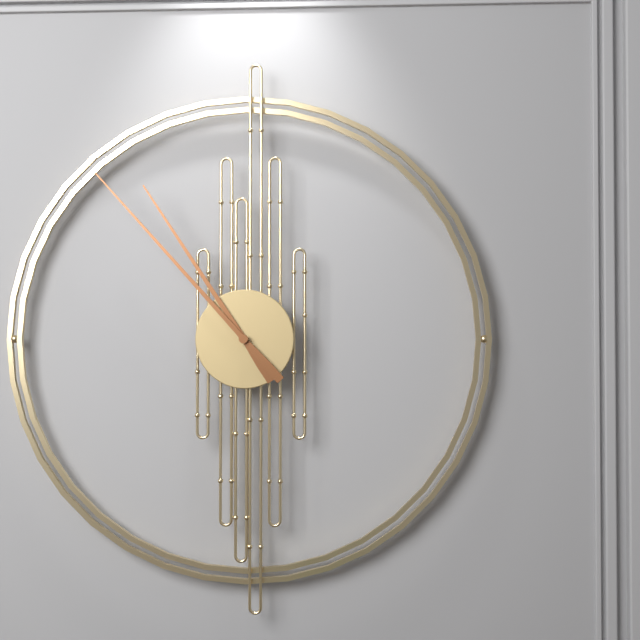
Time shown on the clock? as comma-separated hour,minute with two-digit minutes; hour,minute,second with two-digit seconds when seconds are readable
10,53
